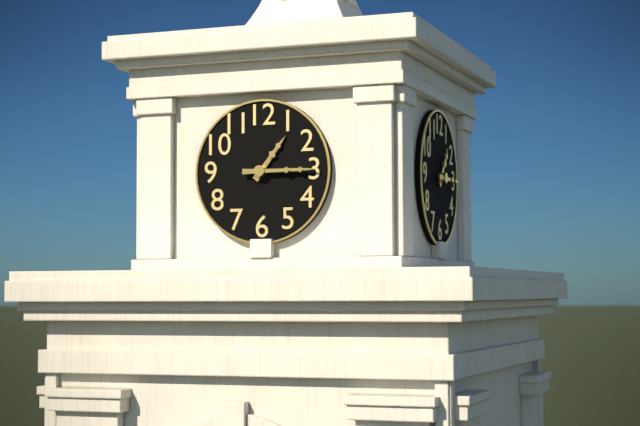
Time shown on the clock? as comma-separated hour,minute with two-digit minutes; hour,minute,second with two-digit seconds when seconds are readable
1,15
